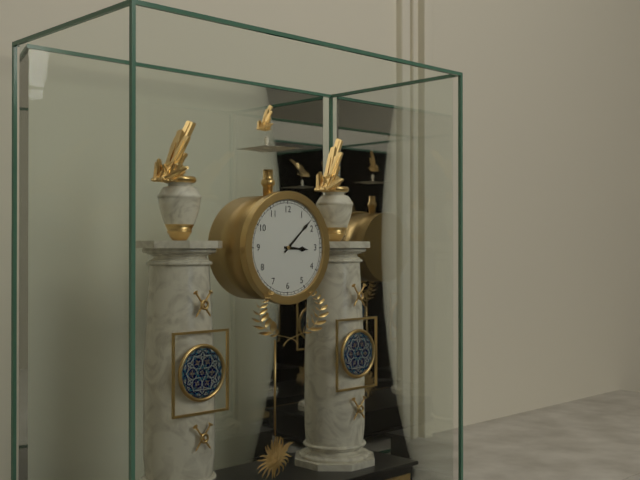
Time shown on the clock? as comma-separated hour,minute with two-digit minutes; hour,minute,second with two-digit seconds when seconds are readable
3,08
